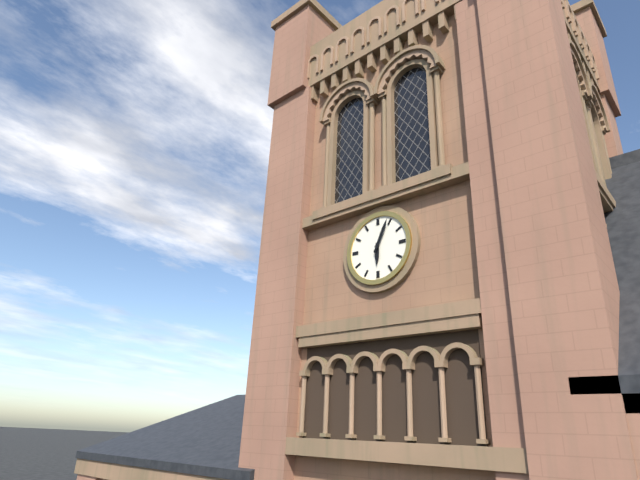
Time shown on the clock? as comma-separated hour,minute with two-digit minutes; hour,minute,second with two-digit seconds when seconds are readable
6,04
